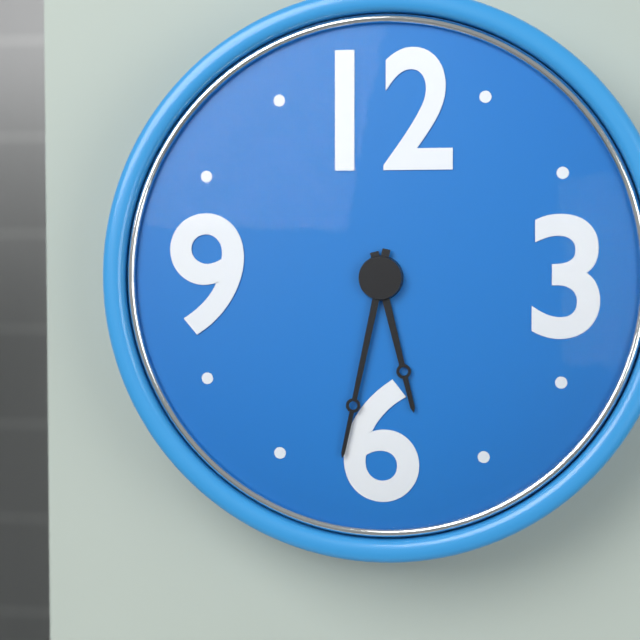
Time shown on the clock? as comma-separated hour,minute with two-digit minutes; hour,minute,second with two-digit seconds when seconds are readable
5,32
